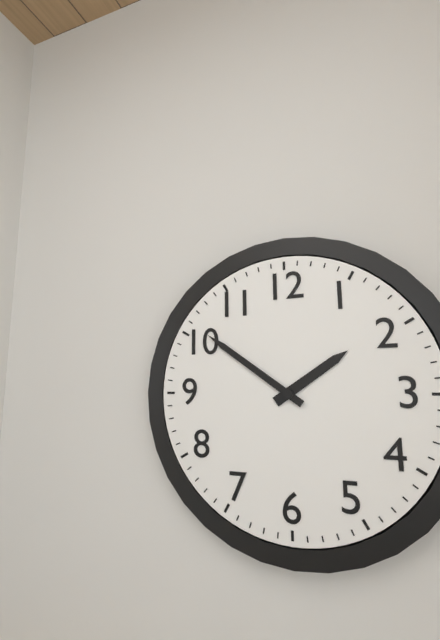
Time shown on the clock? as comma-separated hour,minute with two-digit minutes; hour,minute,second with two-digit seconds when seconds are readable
1,51
